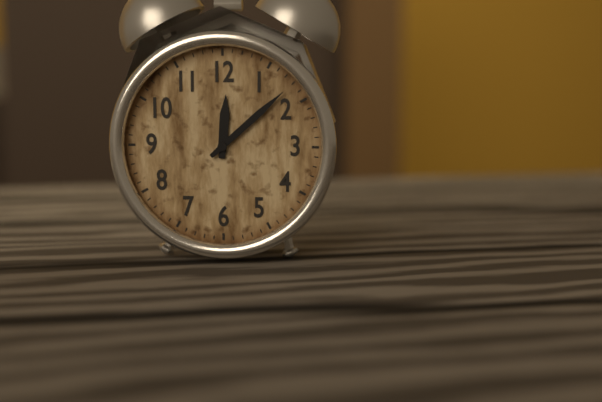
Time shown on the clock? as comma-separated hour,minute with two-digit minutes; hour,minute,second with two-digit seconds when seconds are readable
12,08
